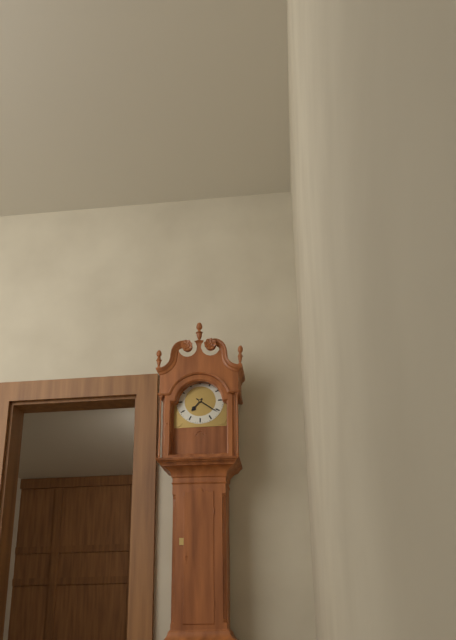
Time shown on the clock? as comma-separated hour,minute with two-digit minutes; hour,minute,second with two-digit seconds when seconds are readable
7,21
